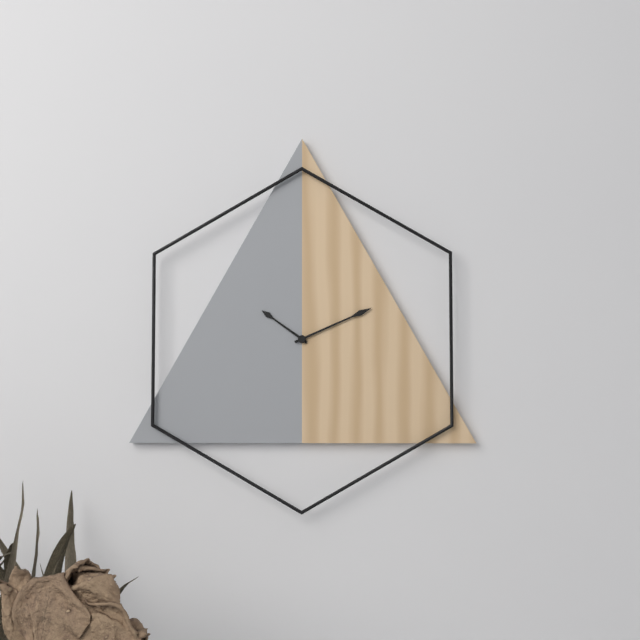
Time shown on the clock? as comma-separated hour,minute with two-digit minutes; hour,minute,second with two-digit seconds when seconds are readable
10,11
